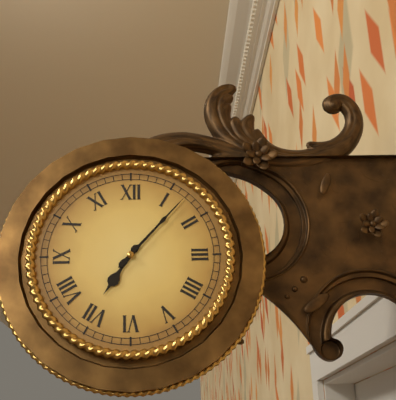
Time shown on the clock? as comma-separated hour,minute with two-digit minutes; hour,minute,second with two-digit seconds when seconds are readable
7,07
